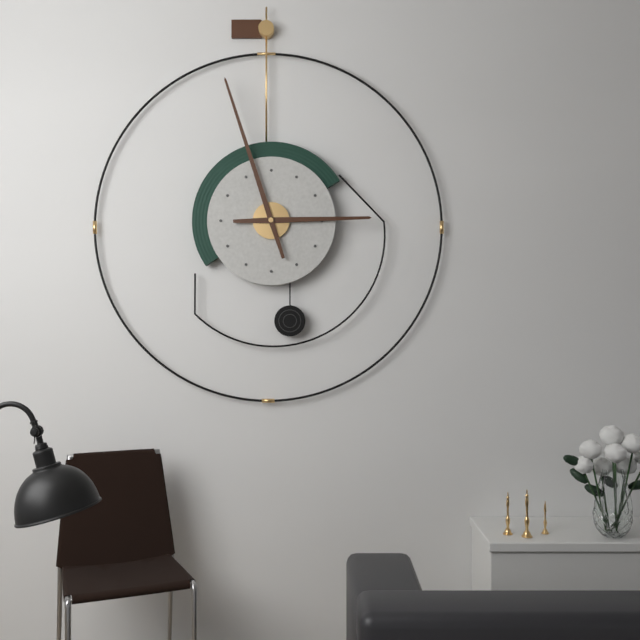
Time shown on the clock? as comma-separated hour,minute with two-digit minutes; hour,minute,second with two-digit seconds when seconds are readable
2,57
